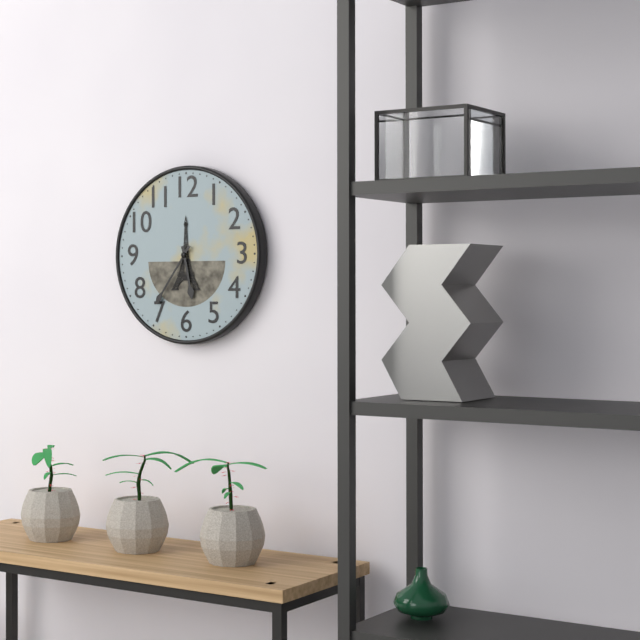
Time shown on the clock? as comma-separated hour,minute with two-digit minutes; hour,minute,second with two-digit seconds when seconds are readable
5,36
